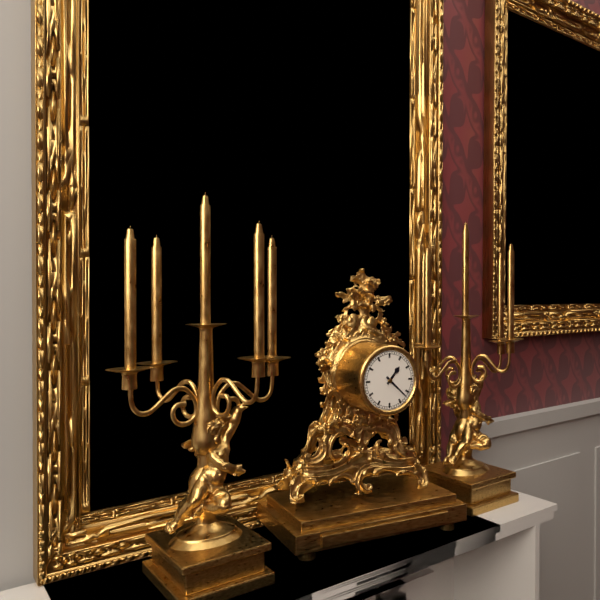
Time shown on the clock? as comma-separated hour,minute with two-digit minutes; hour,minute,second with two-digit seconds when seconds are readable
1,22
